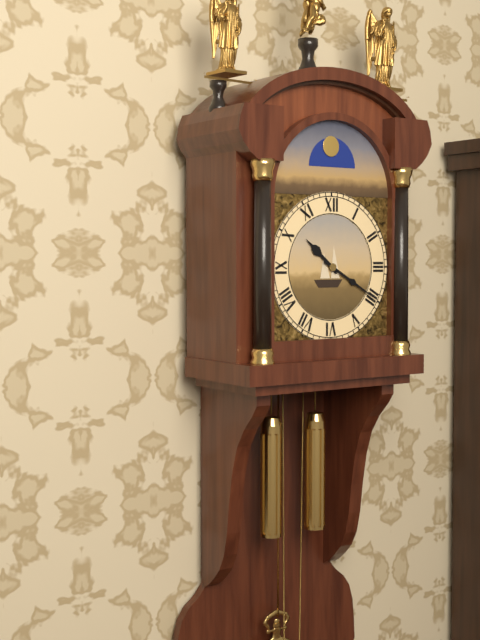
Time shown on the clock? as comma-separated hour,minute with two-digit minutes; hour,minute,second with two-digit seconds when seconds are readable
10,20
